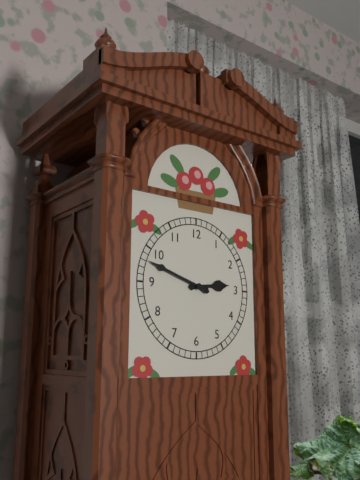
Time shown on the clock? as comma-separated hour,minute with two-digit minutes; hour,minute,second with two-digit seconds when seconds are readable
2,48
